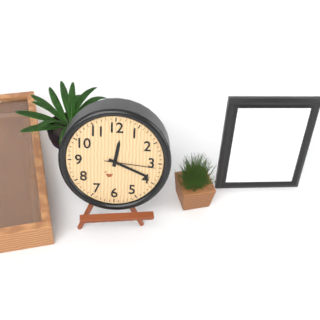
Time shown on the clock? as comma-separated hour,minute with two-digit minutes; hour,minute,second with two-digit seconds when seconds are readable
12,19,16
